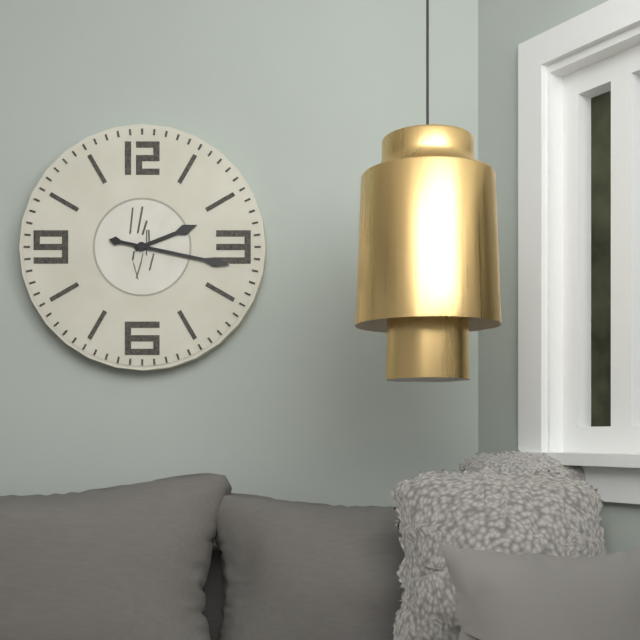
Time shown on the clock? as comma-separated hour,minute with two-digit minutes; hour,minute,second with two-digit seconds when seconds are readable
2,17
